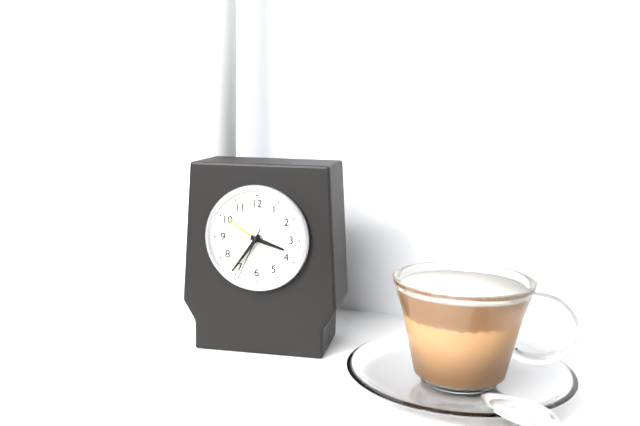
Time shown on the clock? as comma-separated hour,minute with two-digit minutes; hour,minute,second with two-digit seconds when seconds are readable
3,36,34
